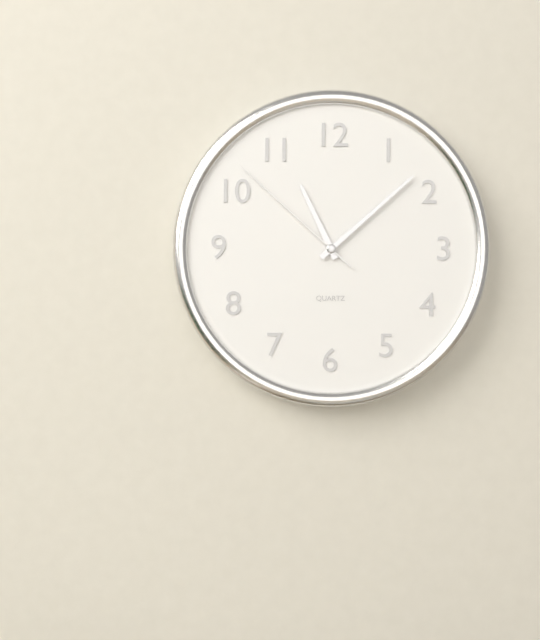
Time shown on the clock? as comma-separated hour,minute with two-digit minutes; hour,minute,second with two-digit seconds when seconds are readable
11,08,52
